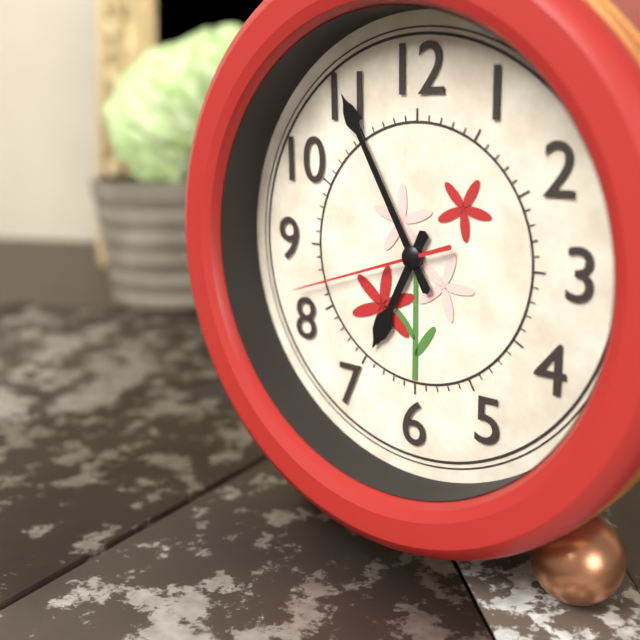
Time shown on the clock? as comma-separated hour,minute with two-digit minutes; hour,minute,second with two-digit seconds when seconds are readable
6,55,42
